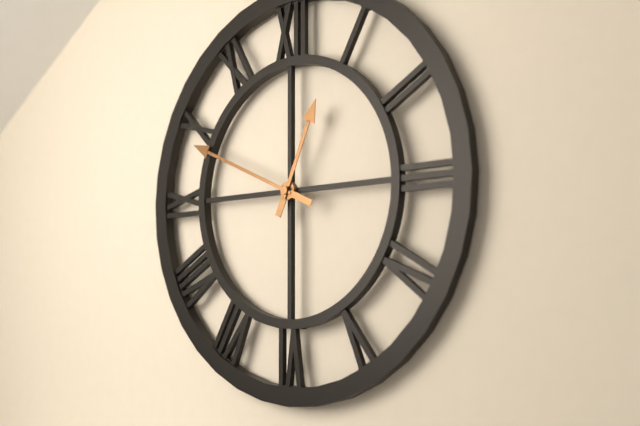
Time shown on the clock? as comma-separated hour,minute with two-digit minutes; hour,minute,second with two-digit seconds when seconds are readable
12,49
